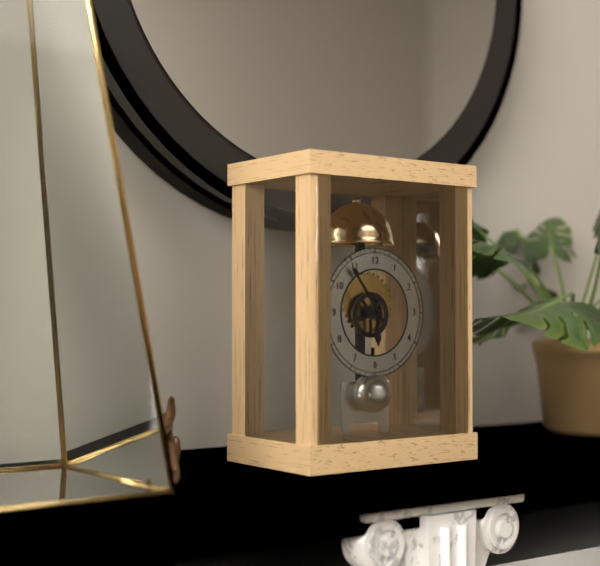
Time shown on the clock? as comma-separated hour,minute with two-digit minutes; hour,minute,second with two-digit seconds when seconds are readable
5,54
